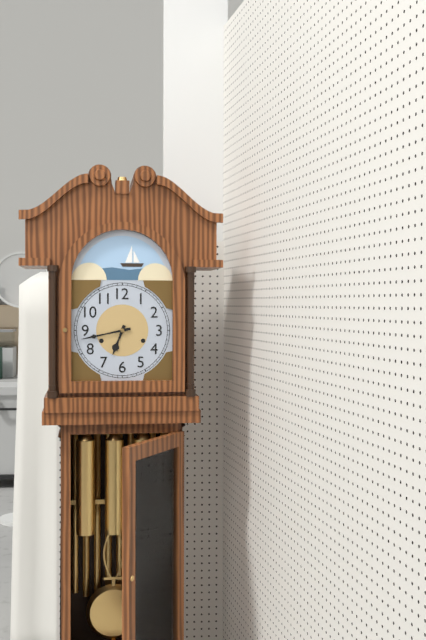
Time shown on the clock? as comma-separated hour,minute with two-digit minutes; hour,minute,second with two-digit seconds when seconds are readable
6,43
